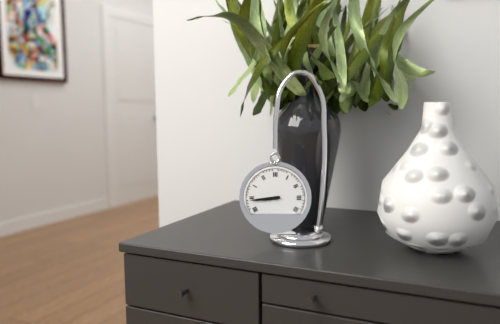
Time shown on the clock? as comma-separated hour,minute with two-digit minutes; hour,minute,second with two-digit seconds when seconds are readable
8,44
